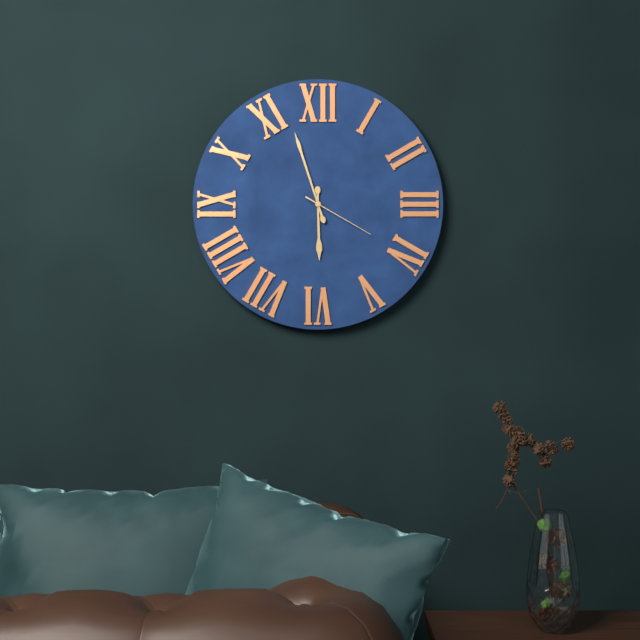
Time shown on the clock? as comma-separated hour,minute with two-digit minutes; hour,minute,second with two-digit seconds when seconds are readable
5,57,20
